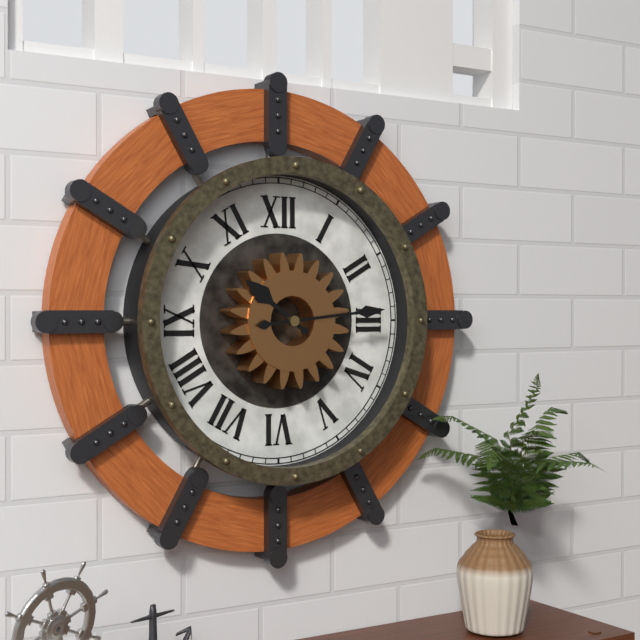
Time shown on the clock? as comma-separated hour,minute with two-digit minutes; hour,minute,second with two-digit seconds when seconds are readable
10,14
